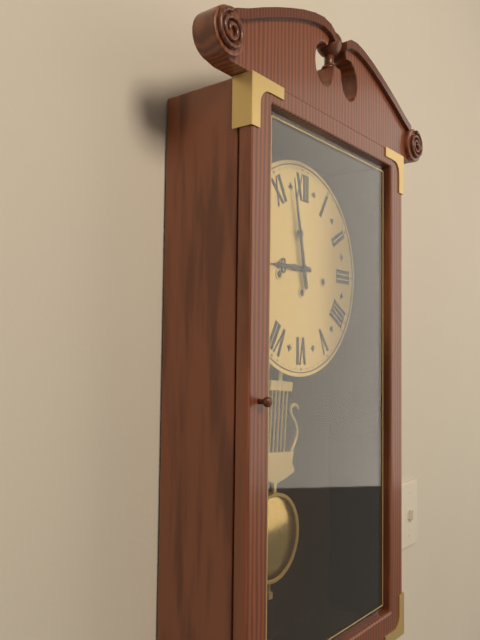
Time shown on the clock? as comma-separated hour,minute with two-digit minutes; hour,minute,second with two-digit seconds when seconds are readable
8,58
